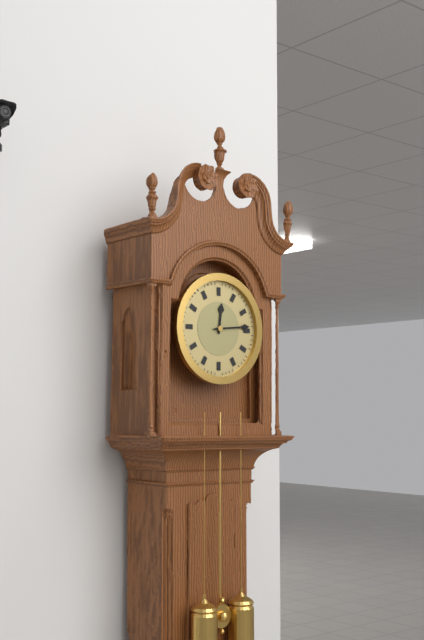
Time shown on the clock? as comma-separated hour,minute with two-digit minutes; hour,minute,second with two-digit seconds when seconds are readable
12,14
